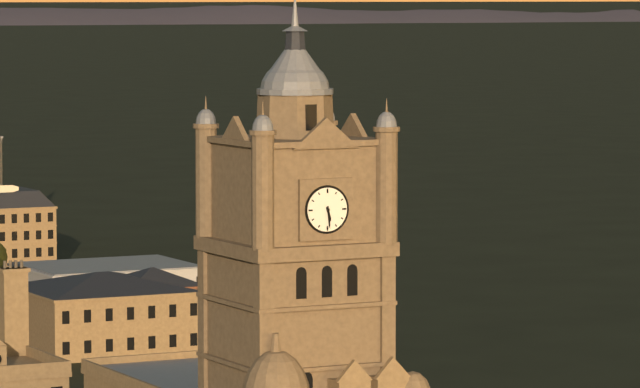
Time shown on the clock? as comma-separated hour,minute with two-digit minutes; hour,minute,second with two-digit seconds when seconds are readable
5,29
